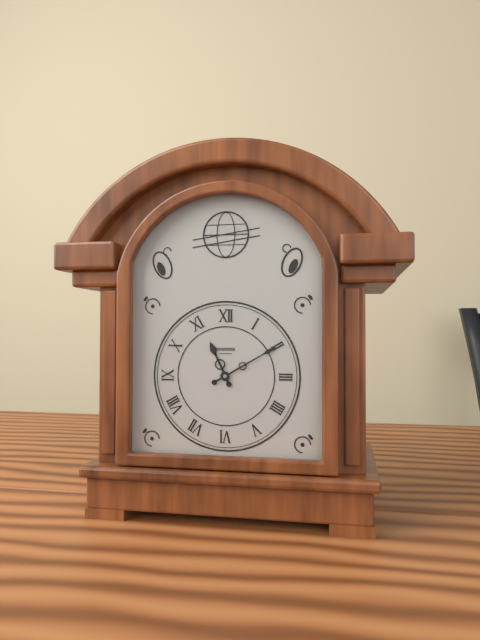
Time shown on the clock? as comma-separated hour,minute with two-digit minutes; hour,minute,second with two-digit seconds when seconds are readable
11,10
